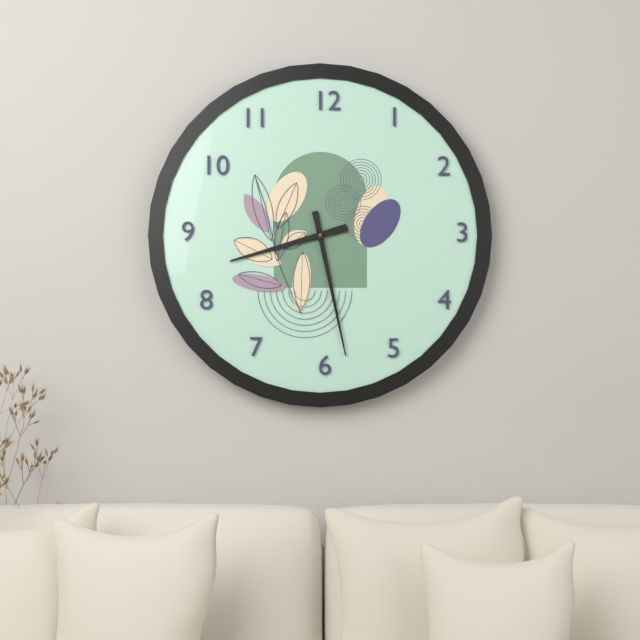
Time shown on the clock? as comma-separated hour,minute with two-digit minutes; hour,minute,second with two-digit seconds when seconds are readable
8,28
